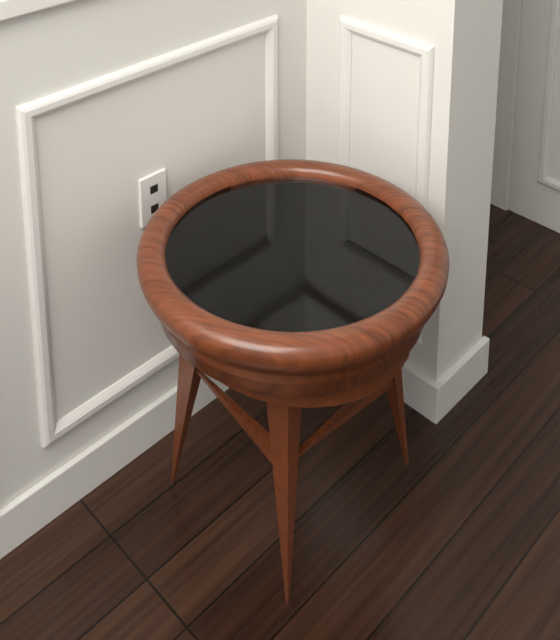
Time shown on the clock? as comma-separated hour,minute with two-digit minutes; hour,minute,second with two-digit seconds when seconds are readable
7,53
